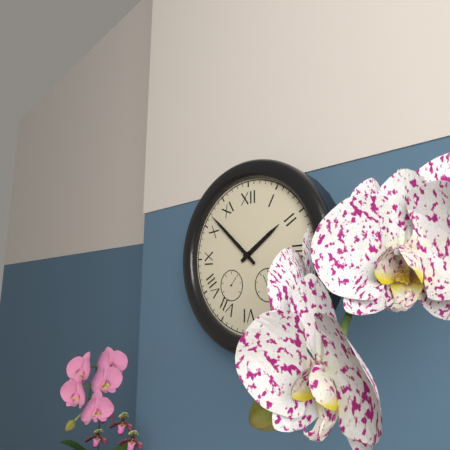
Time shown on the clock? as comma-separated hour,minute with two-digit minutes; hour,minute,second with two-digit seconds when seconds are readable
1,52
